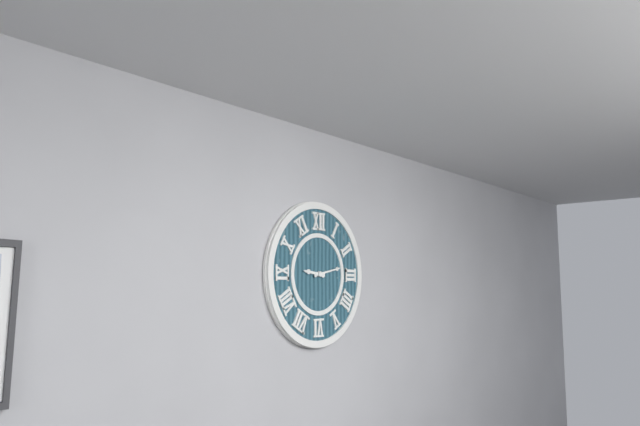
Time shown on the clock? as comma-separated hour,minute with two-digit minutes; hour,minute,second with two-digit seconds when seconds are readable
9,13
